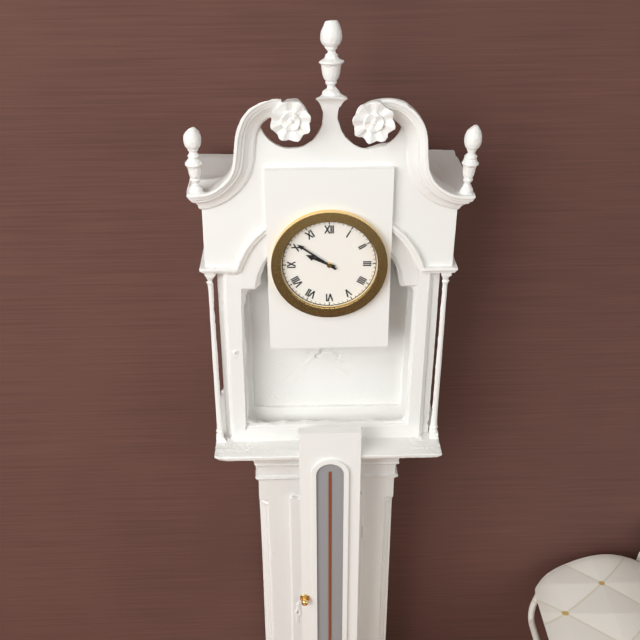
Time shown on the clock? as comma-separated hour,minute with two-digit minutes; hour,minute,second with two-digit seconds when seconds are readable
9,51
